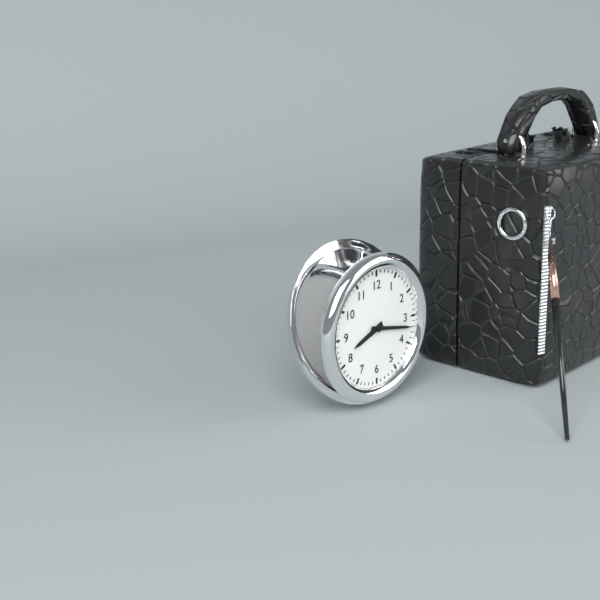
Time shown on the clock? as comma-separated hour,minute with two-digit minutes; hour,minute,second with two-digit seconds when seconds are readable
8,17
